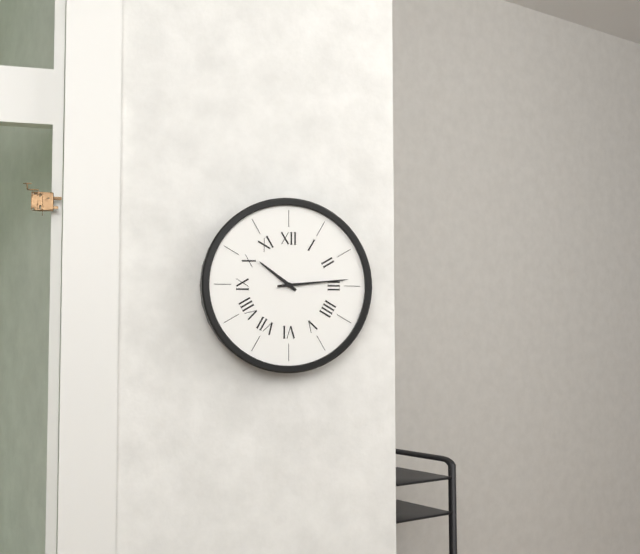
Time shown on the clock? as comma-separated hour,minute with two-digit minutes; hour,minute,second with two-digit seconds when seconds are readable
10,14
